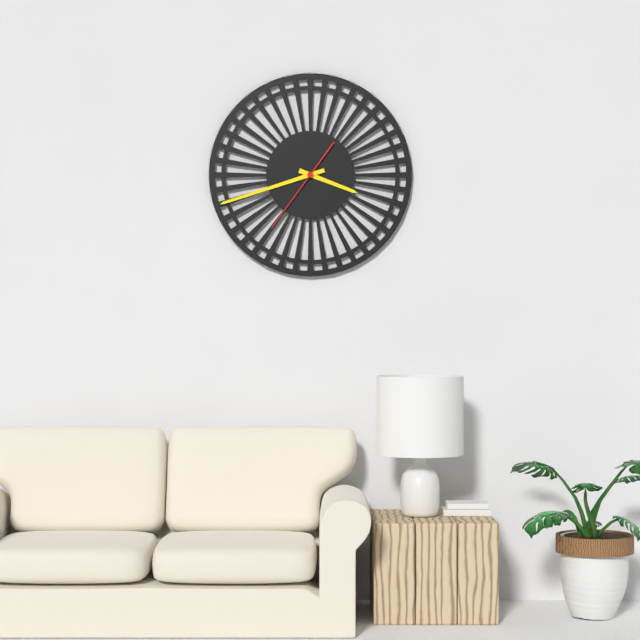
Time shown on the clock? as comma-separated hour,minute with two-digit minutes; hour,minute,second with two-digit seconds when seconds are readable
3,42,36
